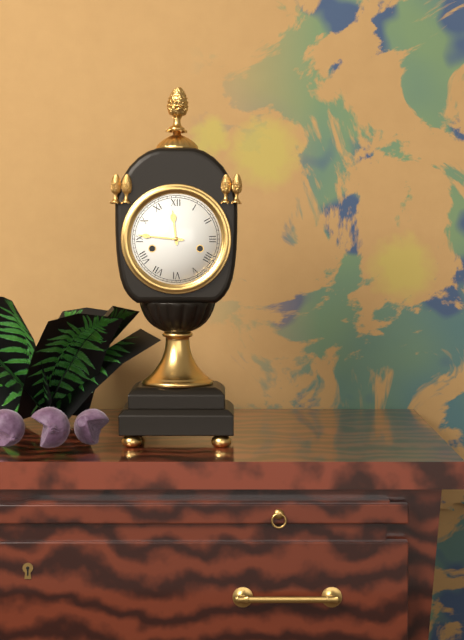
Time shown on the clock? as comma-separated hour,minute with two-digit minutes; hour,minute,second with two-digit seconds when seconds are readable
11,46
